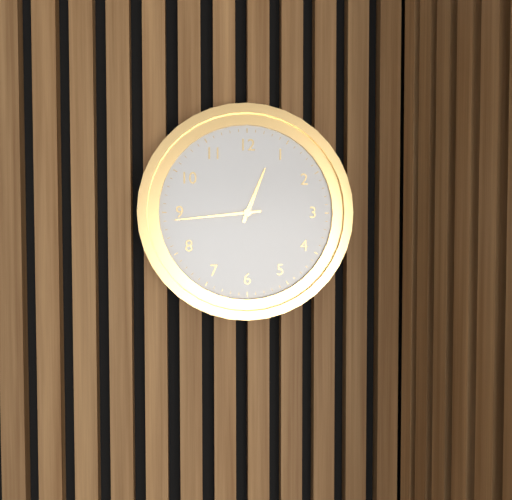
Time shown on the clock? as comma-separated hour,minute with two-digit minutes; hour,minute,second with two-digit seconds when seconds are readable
12,44
